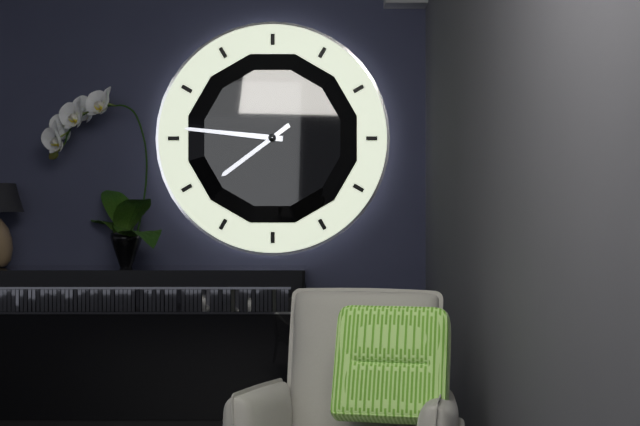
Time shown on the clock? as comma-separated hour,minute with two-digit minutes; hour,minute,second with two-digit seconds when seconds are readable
7,46
